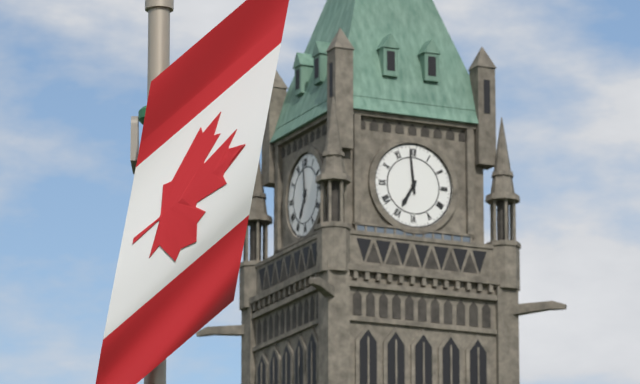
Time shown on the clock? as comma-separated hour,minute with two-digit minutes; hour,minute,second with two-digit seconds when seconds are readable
6,59
